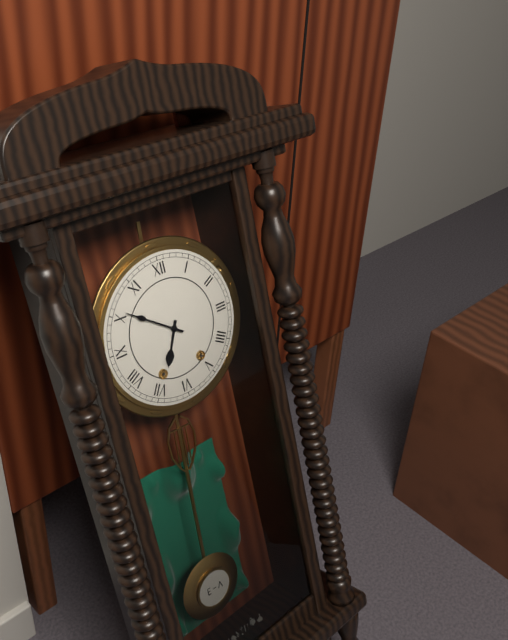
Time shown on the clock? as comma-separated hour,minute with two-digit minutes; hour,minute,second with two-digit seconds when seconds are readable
6,51
